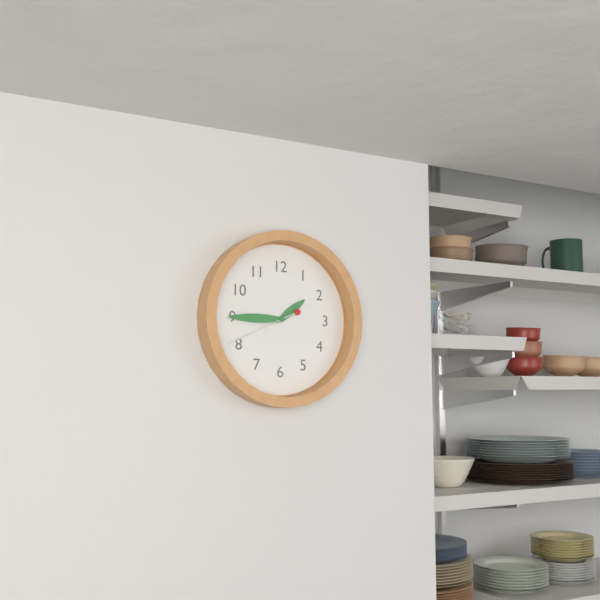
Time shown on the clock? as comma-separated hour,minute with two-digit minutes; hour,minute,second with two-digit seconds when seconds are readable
1,45,41
